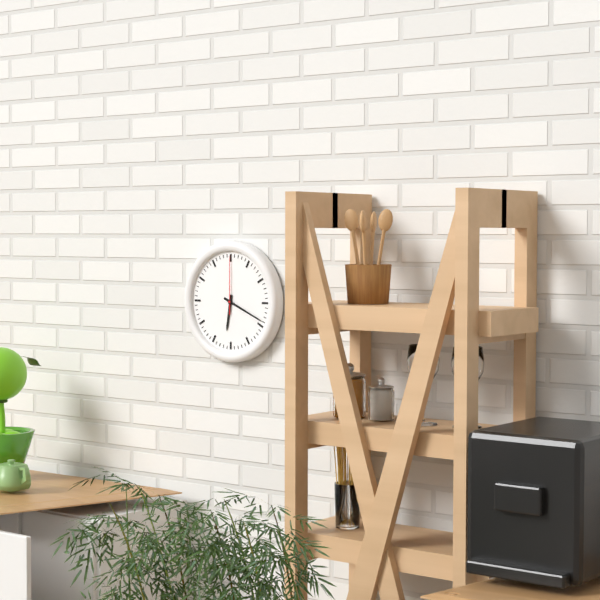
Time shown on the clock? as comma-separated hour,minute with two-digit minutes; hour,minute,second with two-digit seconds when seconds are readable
6,19,00
